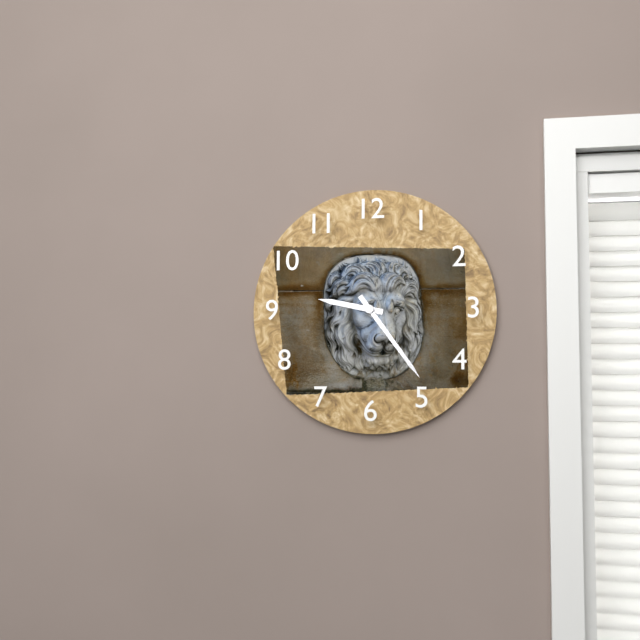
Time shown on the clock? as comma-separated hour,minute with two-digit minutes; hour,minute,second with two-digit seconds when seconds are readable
9,24
